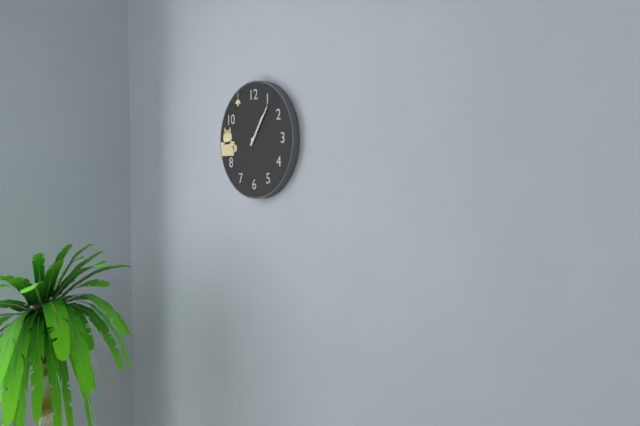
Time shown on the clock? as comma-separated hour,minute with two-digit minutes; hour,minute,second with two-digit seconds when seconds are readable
1,06
